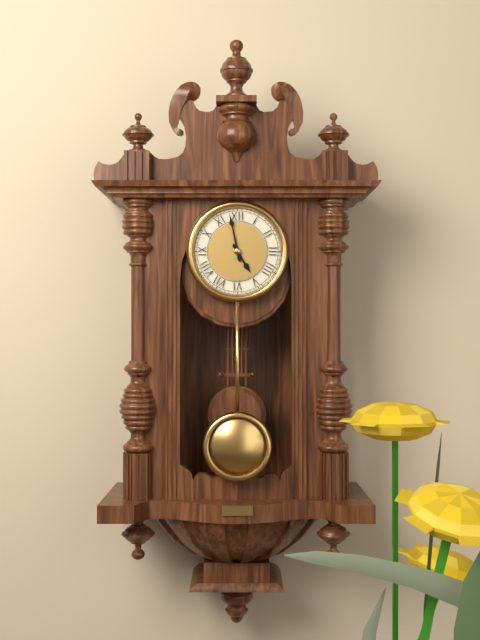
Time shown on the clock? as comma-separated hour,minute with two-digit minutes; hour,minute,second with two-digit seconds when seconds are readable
4,58
